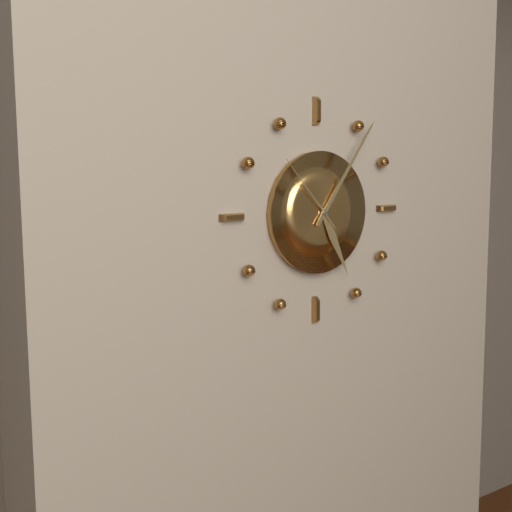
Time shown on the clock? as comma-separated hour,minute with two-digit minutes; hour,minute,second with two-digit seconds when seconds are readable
5,06,53
